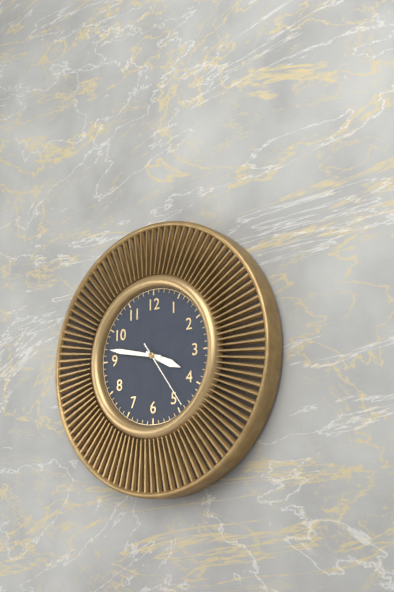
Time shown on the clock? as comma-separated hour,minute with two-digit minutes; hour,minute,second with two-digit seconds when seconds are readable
3,47,24
